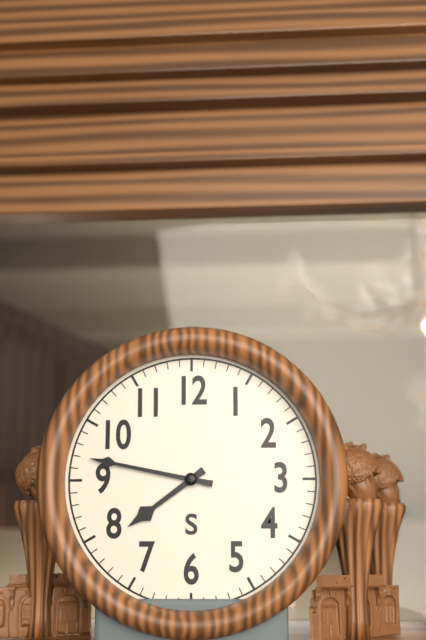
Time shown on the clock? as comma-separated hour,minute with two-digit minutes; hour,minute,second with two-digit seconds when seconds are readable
7,47
